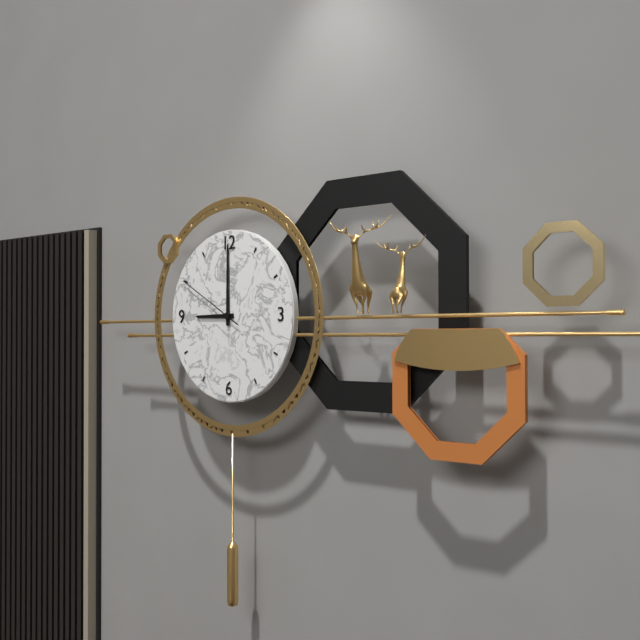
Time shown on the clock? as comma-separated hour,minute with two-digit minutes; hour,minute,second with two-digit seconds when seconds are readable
9,00,50
